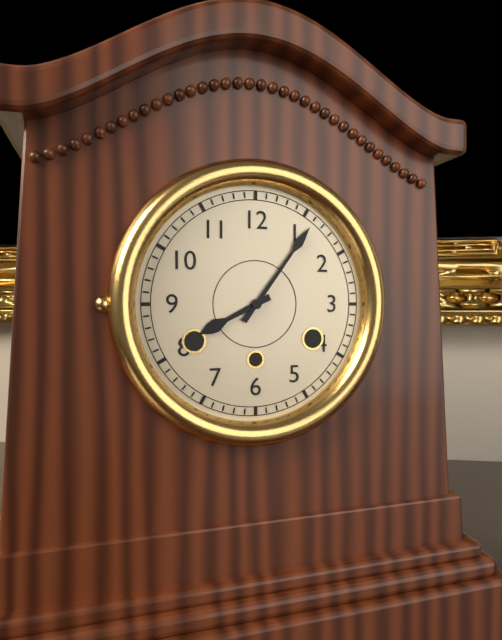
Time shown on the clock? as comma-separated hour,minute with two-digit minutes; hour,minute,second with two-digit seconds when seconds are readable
8,06
